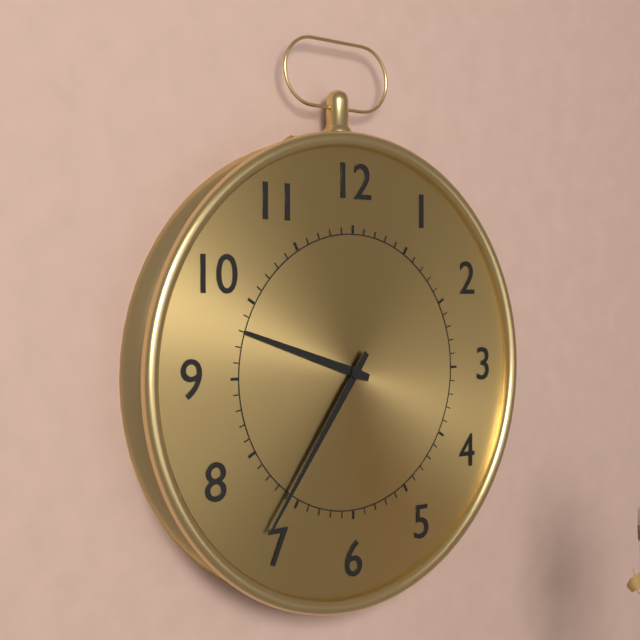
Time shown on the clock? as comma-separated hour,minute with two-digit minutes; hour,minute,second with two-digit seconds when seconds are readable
9,36
